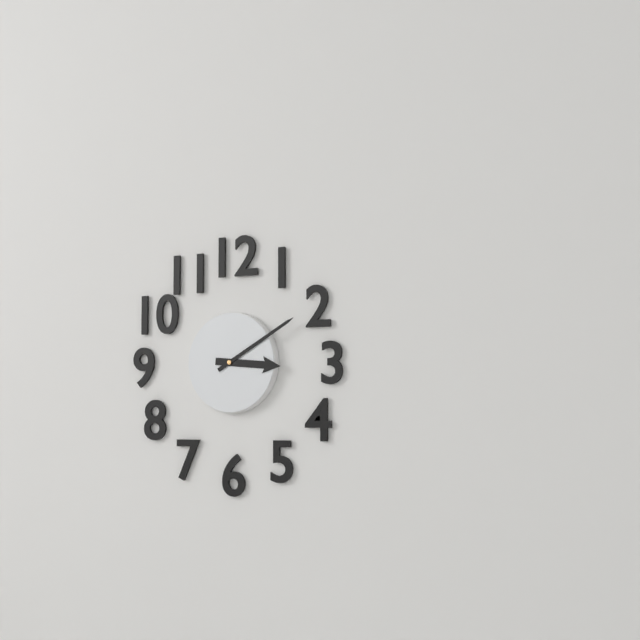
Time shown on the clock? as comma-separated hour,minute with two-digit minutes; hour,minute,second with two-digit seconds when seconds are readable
3,10
